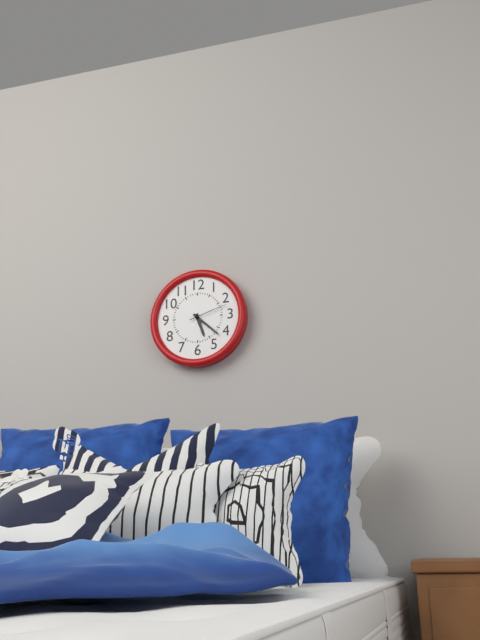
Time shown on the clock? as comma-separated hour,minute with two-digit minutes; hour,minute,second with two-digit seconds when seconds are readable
5,22
